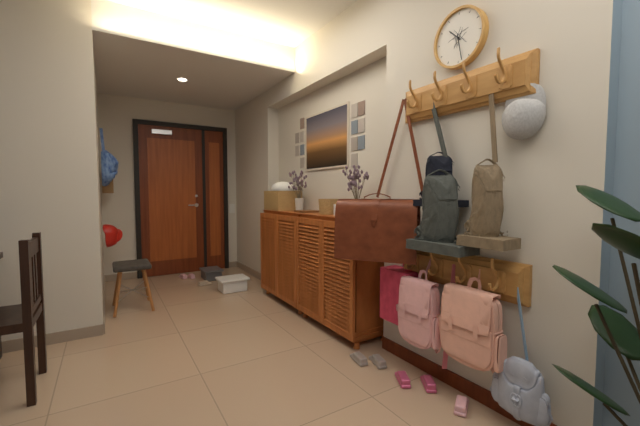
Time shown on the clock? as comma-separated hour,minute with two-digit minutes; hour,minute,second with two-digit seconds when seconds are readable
10,28
